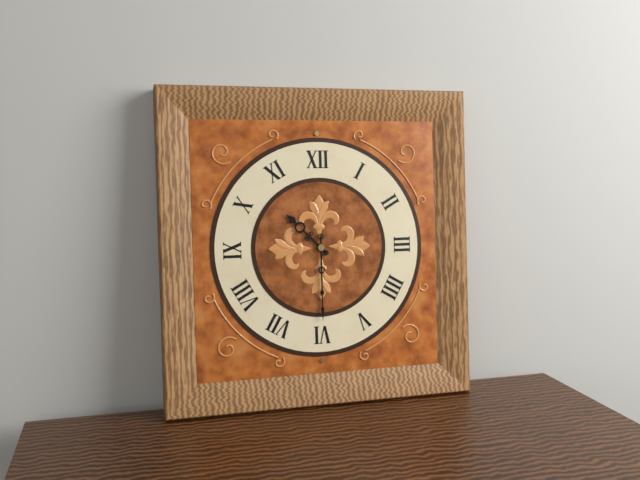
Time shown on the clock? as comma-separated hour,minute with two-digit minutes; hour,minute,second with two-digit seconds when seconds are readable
10,30
